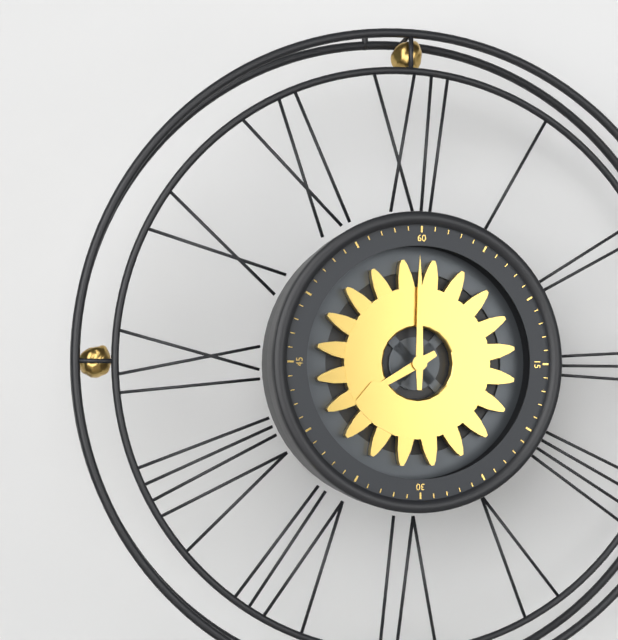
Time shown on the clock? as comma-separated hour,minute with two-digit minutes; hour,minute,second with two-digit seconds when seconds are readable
8,00
